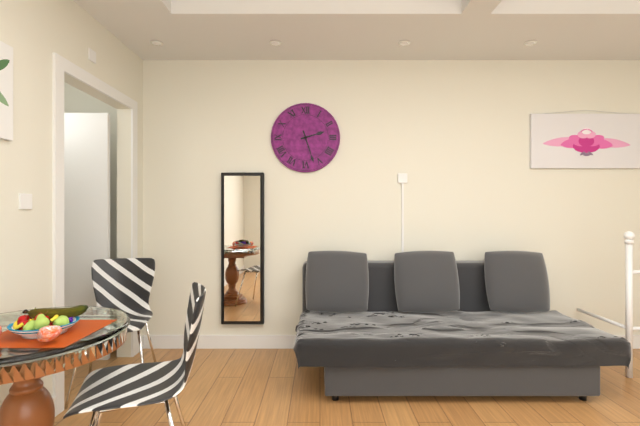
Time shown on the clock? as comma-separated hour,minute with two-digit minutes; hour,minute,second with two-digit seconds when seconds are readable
2,27
